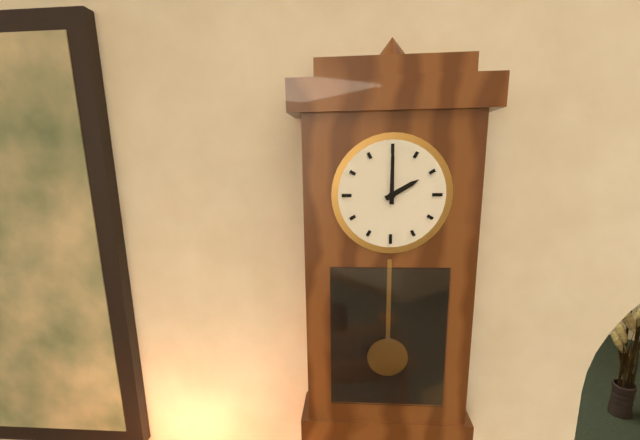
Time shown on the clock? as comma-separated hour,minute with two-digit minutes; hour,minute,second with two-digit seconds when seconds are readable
2,00
